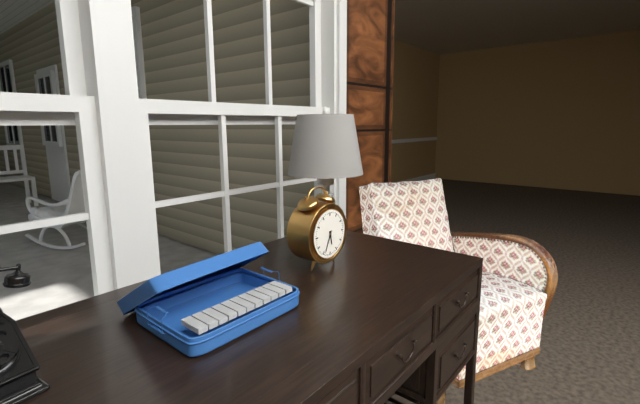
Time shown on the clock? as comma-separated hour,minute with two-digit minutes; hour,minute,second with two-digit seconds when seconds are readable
5,34
